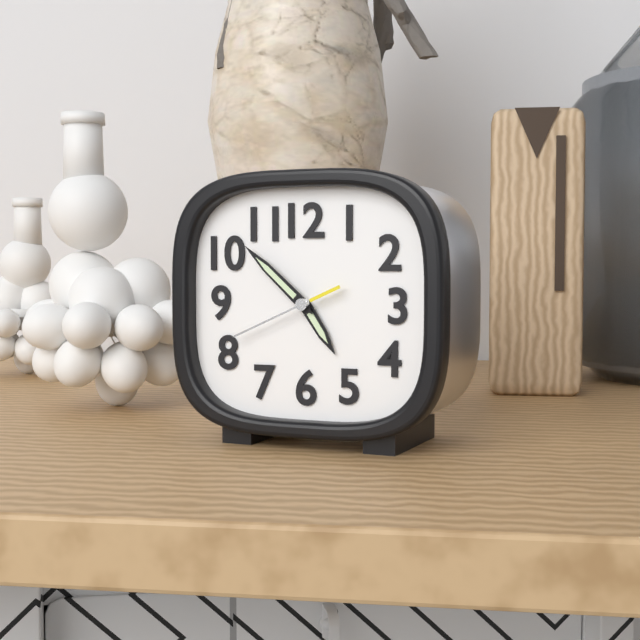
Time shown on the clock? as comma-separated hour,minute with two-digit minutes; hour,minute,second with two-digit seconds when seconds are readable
4,52,41
